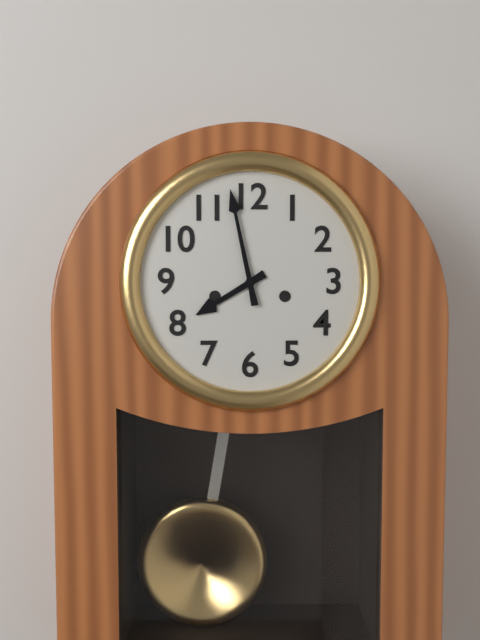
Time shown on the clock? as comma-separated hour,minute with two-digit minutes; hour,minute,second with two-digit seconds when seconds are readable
7,58
